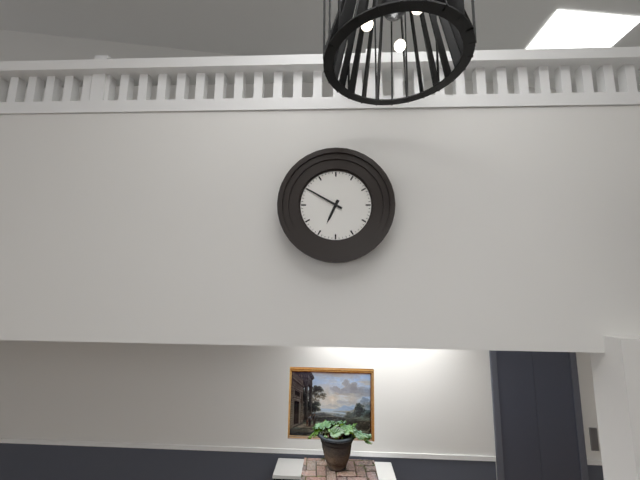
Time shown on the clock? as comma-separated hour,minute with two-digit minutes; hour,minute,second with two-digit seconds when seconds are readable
6,50
